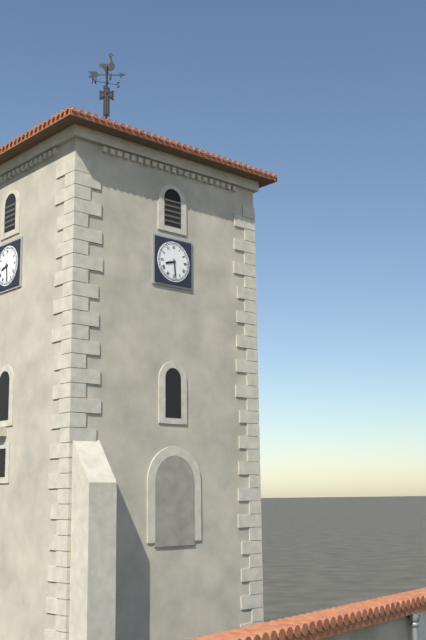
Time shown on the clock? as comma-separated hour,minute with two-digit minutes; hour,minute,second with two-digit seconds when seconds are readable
8,29
